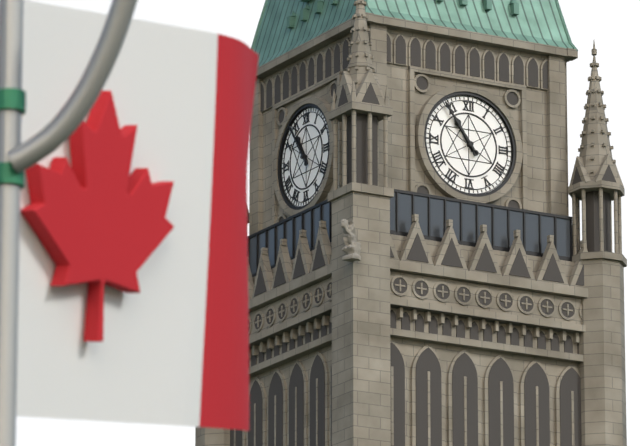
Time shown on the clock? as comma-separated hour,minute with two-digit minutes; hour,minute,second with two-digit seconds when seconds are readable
10,54
